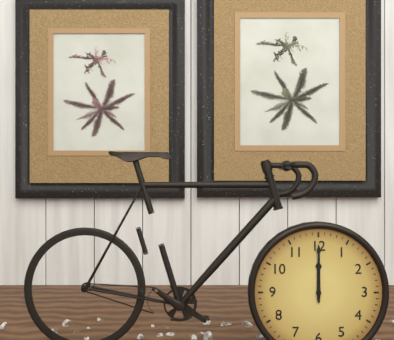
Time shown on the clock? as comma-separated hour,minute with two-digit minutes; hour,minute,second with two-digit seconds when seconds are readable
12,00
